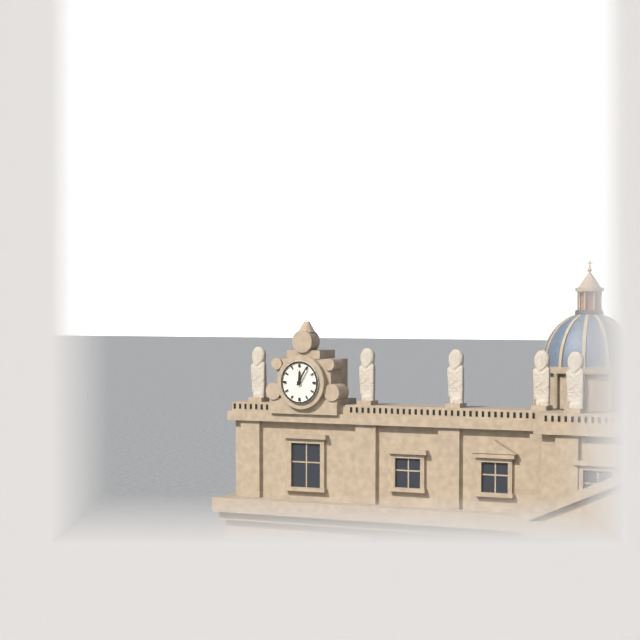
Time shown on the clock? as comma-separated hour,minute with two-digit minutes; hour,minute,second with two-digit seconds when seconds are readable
12,05
